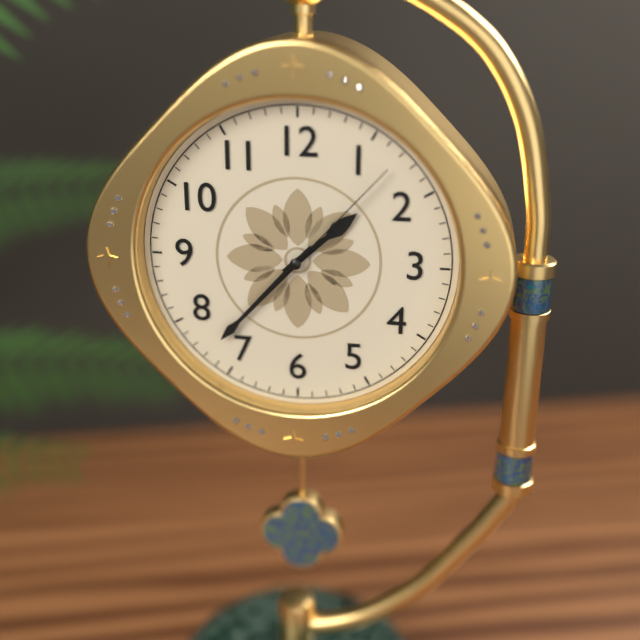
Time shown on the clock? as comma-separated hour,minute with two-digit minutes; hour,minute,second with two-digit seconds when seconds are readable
1,37,07
